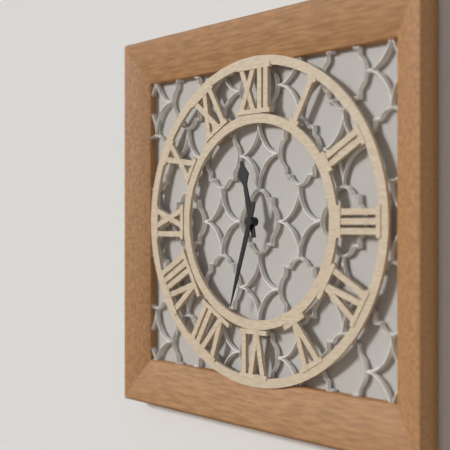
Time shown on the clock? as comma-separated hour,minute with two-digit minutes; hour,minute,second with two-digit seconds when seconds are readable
11,33
